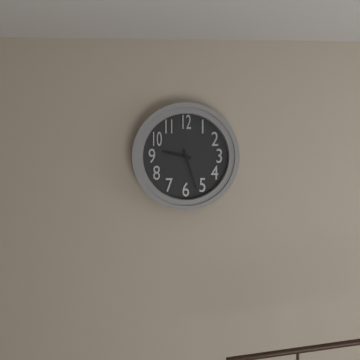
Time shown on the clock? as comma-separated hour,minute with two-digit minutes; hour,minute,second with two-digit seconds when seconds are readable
9,27
